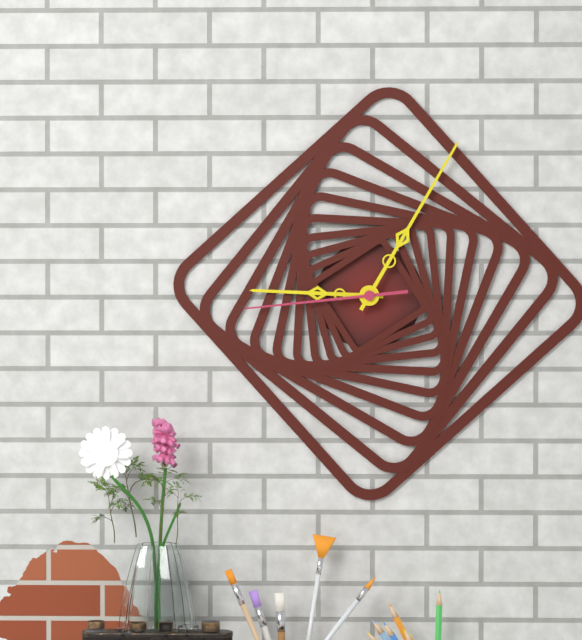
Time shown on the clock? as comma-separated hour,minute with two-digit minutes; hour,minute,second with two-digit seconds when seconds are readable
9,05,44
